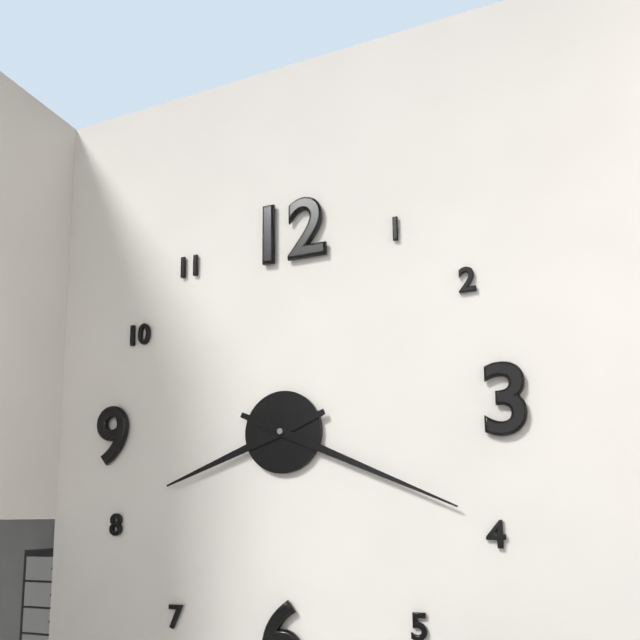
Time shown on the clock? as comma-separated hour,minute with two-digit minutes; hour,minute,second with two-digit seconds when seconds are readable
8,19
